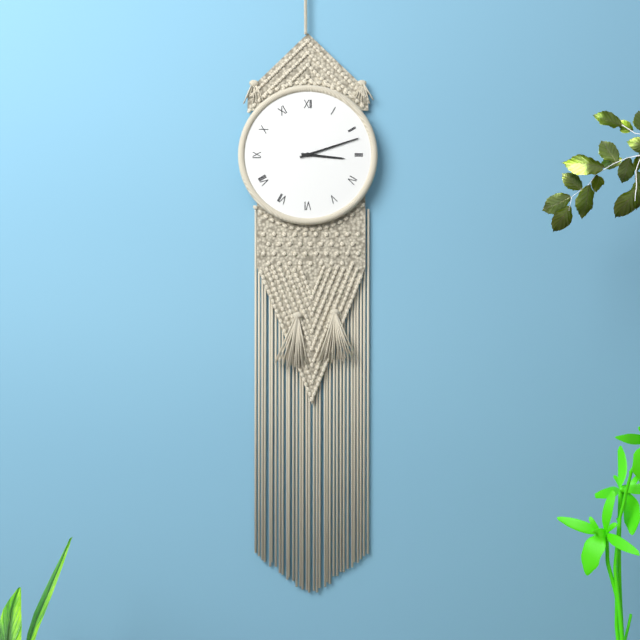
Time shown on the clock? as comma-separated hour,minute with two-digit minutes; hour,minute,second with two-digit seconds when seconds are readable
3,12
